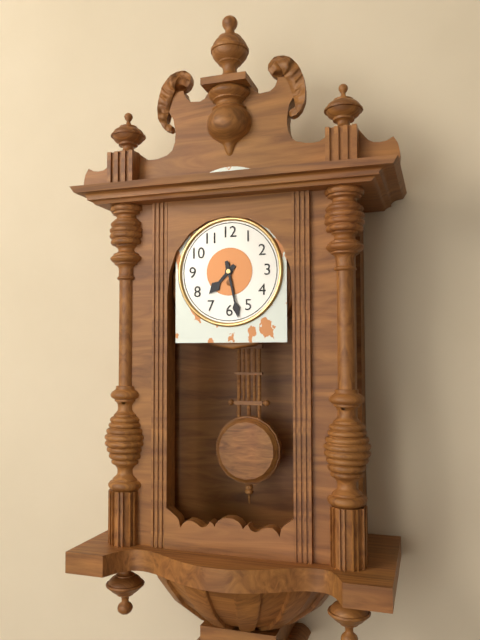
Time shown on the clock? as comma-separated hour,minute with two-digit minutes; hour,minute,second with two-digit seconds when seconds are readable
7,28
